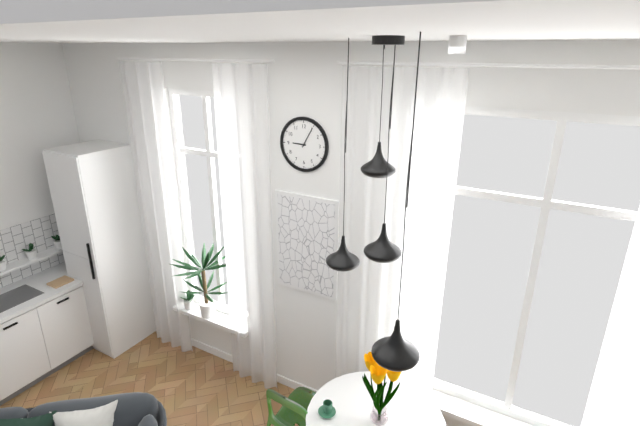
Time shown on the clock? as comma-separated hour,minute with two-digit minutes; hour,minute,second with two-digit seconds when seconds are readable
9,05
